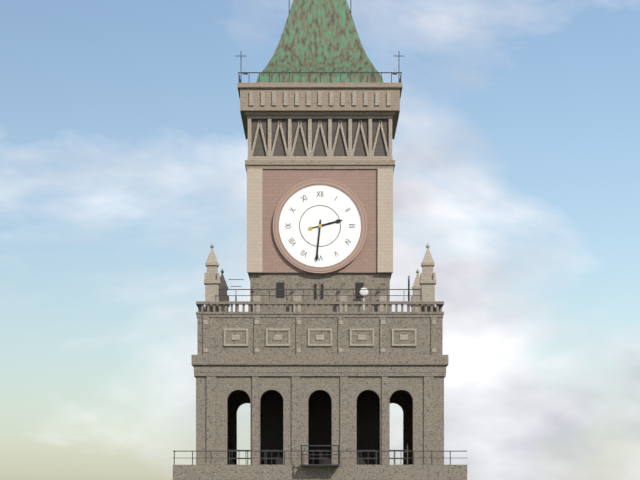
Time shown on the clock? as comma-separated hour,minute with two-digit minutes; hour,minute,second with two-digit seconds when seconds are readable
2,31
